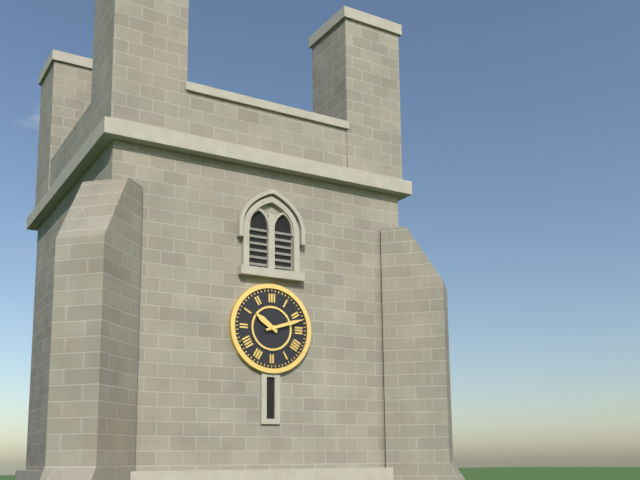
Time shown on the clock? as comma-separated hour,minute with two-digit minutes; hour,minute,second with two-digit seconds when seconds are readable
10,12
